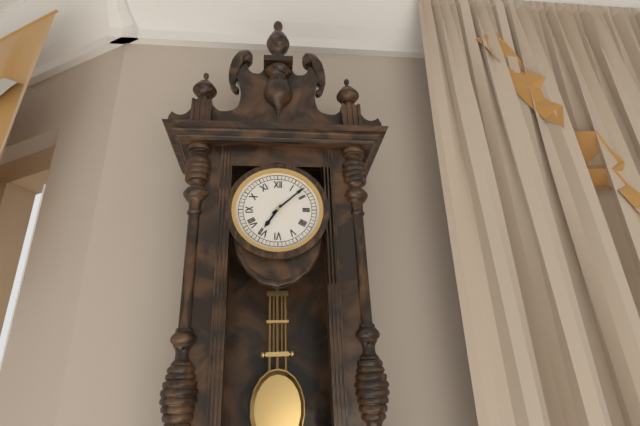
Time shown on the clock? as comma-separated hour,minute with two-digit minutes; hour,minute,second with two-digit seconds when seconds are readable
7,08
